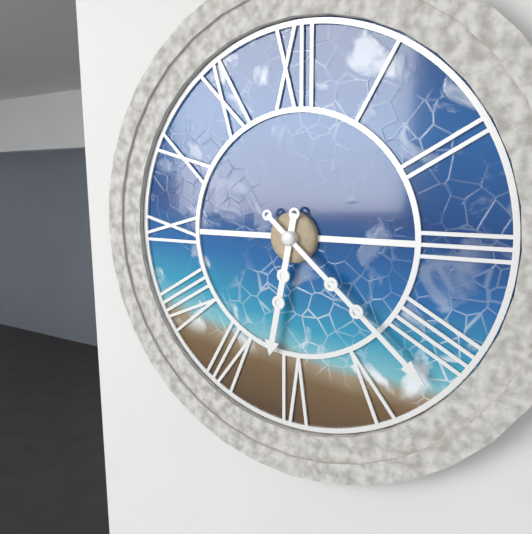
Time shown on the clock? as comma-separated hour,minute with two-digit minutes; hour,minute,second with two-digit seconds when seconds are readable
6,22
